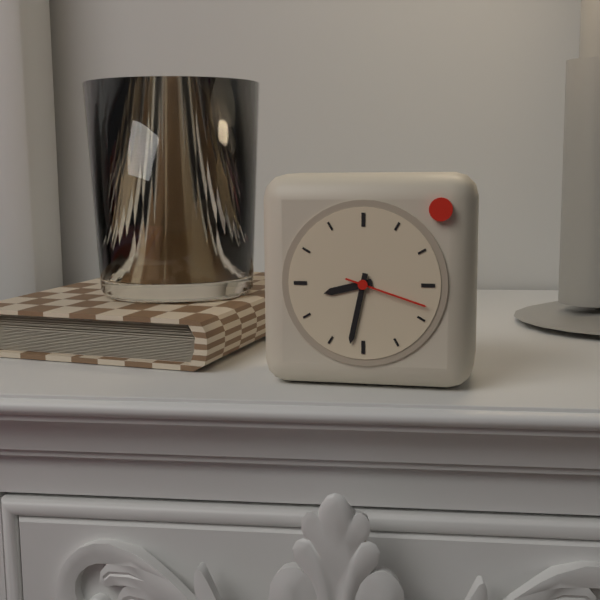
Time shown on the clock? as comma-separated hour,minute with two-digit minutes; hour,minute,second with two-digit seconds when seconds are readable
8,32,18
